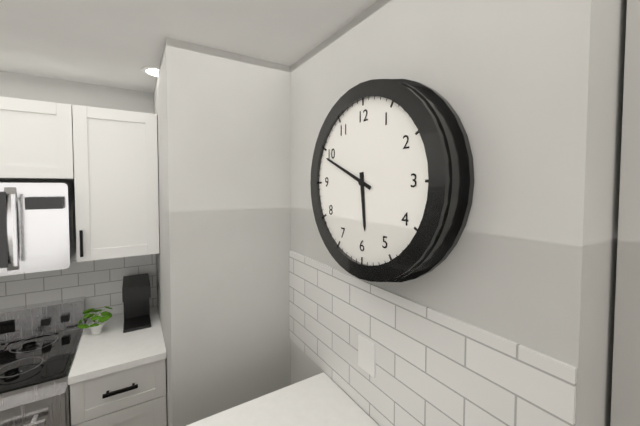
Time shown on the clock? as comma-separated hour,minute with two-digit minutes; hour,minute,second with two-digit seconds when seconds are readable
5,49
